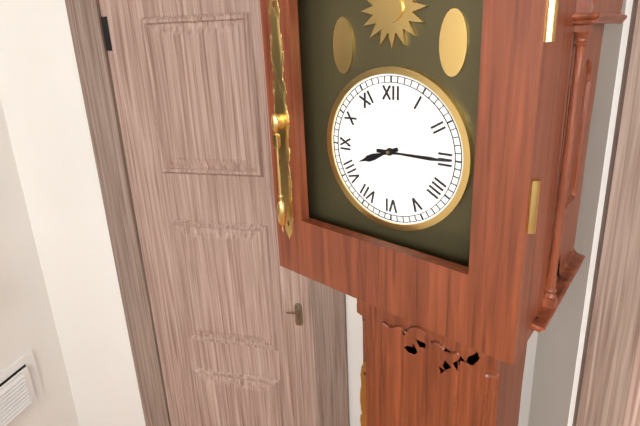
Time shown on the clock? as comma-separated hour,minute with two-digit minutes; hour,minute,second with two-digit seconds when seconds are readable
8,15
